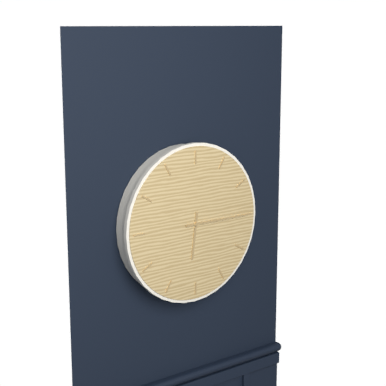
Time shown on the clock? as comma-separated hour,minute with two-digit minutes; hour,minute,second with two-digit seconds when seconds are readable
6,15
